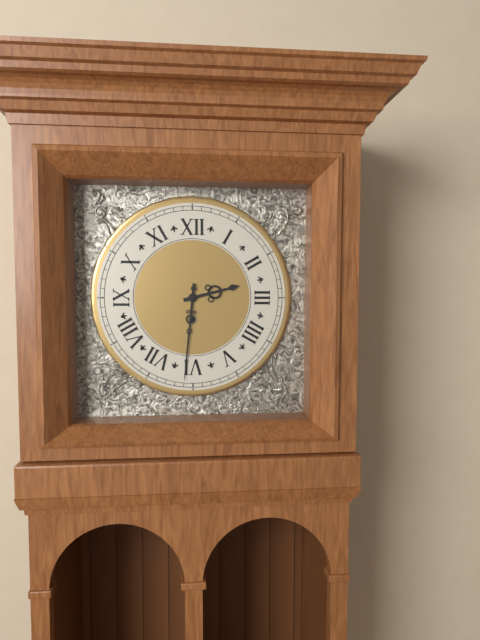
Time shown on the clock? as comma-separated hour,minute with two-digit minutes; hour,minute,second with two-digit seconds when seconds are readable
2,31
